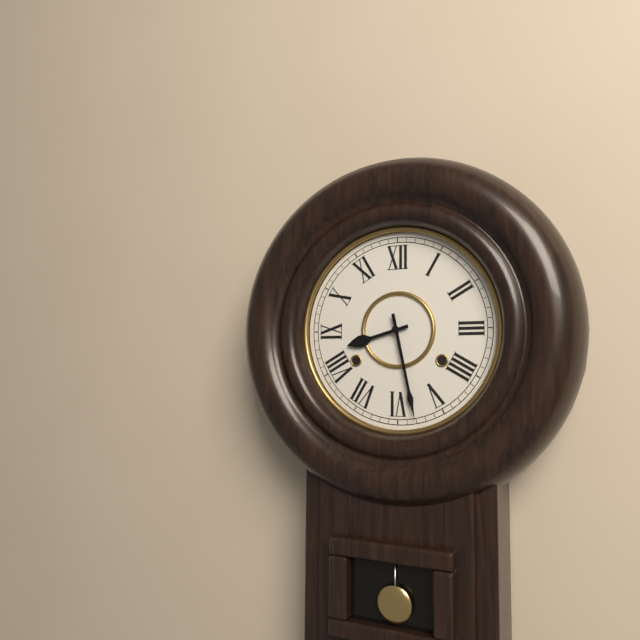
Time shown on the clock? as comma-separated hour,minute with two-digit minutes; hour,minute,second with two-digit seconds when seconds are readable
8,28
